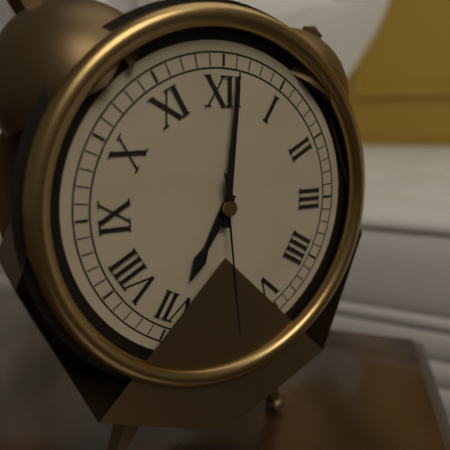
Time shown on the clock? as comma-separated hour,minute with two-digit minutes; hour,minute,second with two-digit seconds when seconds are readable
7,01,29
